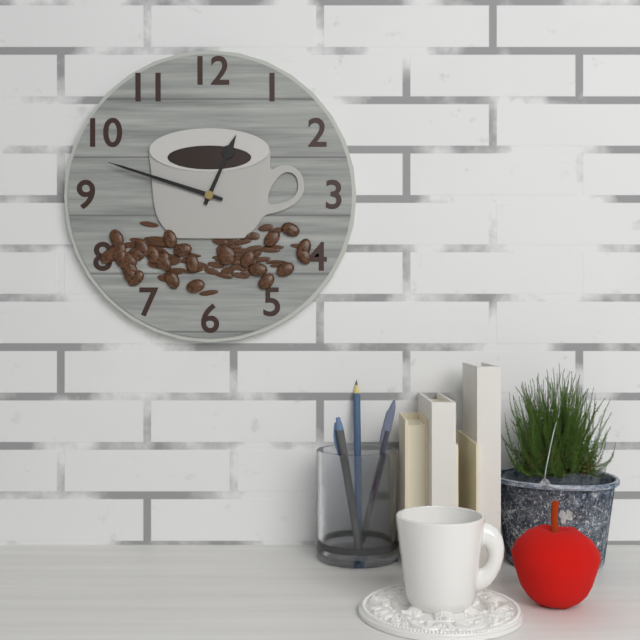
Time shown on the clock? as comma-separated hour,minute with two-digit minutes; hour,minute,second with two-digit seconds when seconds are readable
12,48
